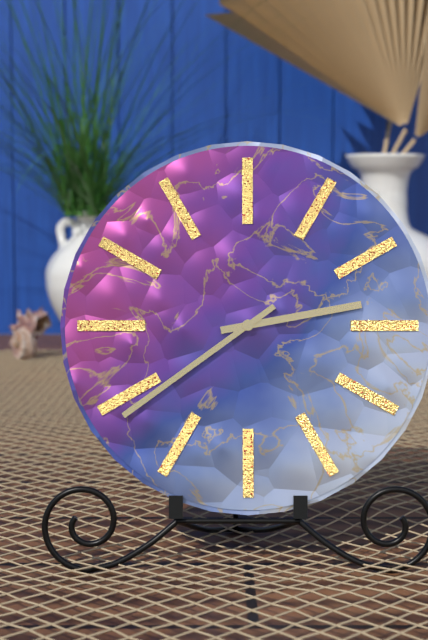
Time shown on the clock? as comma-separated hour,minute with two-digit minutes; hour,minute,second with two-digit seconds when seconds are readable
2,39
